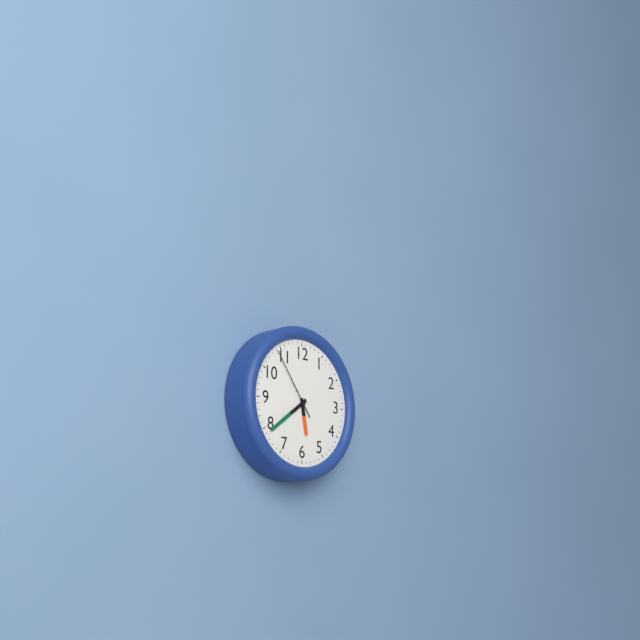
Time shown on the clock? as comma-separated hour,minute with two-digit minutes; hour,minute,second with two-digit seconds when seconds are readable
5,39,54
